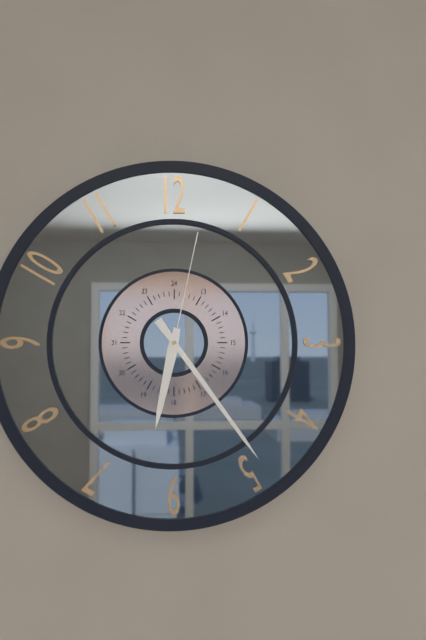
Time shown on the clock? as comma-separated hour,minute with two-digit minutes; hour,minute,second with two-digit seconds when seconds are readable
6,24,02
